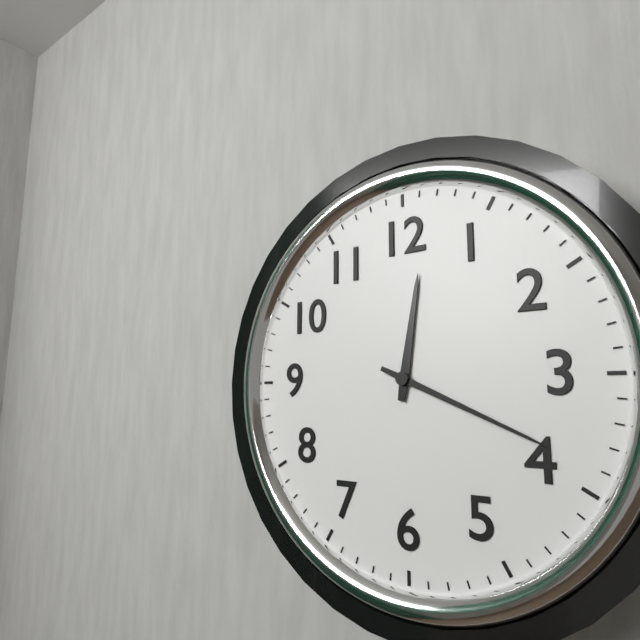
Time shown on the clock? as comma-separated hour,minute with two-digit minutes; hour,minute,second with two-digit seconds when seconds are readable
12,19
